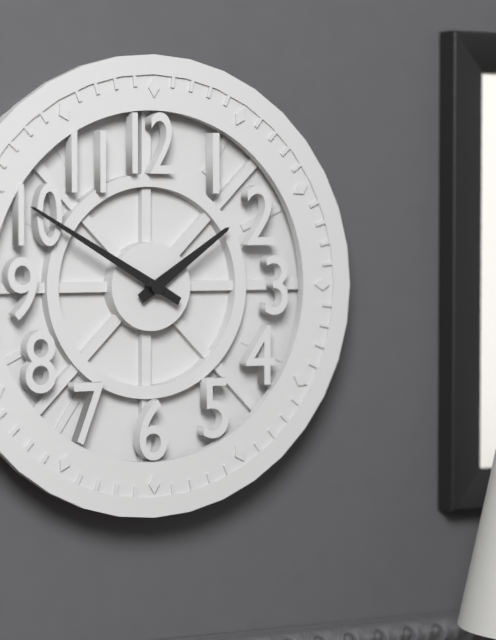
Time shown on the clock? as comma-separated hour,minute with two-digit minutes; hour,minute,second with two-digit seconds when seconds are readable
1,50
